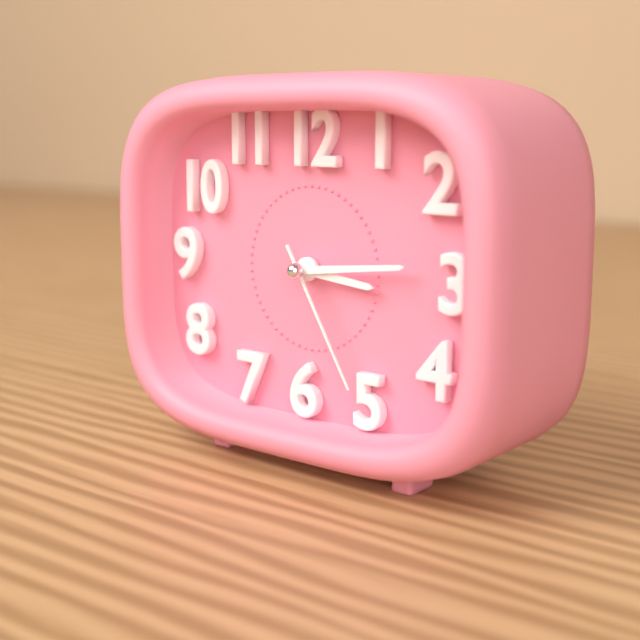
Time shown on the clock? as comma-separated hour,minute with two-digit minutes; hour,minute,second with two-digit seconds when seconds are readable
3,14,25
